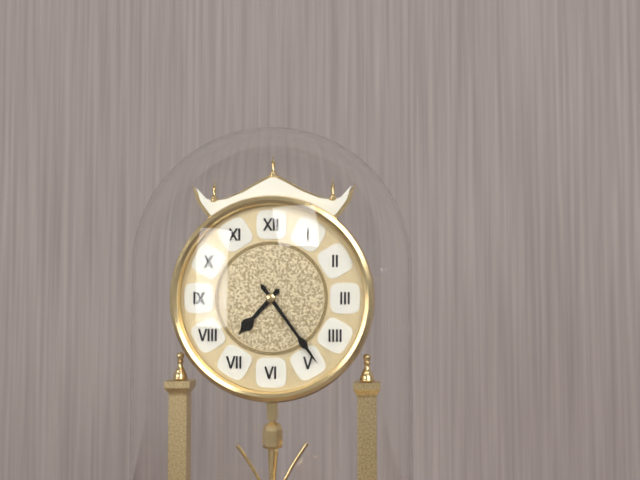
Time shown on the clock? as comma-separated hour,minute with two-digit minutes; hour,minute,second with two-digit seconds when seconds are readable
7,24
